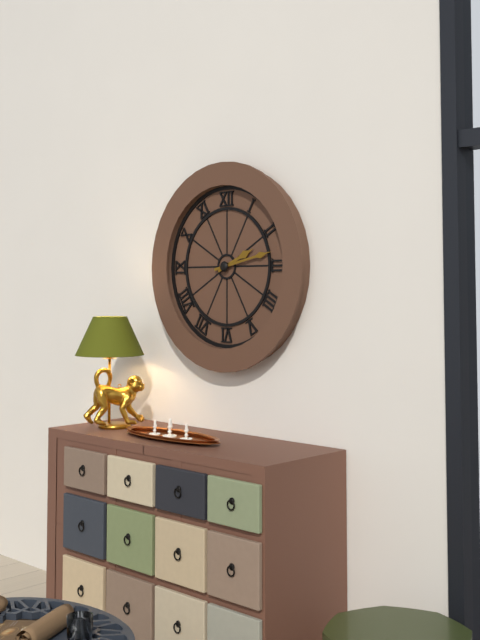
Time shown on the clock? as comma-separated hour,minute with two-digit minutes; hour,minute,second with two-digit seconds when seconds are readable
2,13
